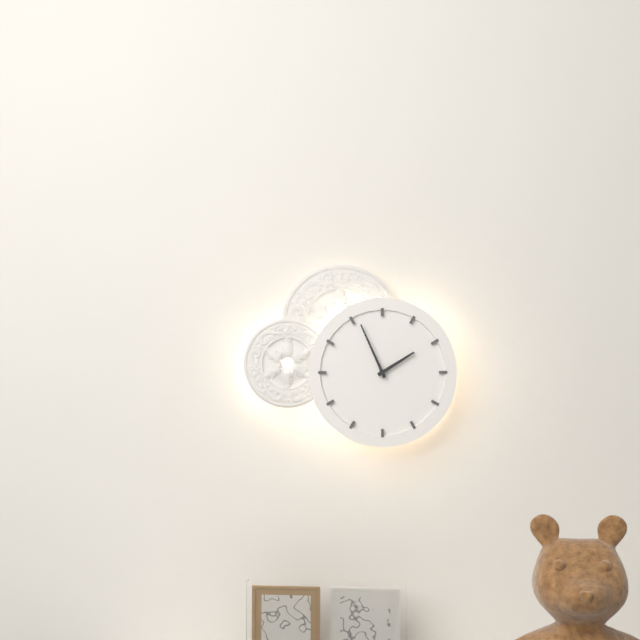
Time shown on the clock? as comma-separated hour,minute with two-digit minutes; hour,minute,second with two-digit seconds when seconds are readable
1,56
